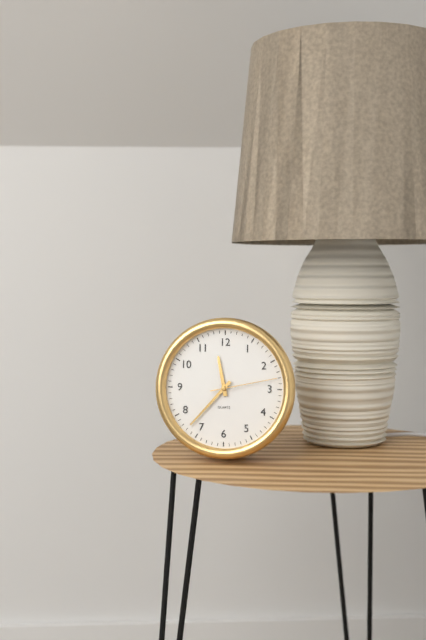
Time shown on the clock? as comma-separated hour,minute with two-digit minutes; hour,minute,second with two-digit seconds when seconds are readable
11,37,13
